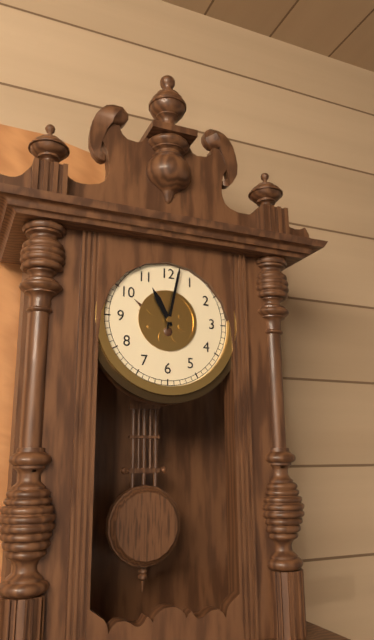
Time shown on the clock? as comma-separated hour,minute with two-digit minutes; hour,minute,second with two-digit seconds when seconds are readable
11,02
